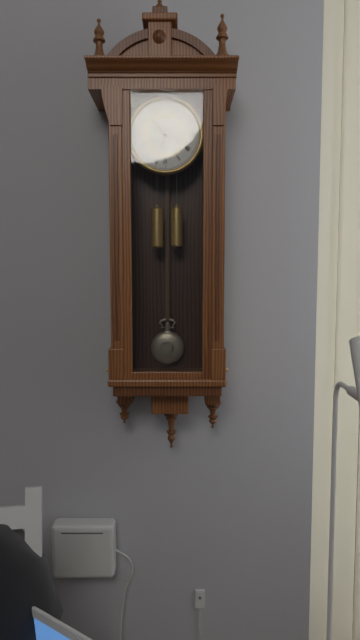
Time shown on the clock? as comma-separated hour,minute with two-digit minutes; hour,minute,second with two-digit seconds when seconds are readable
10,33
